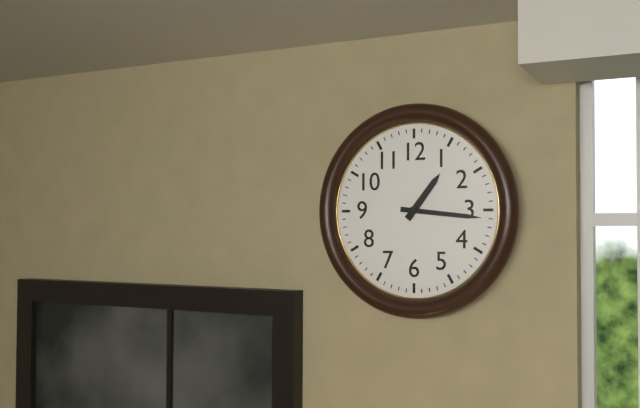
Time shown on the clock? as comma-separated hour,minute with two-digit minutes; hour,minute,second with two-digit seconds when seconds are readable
1,16
